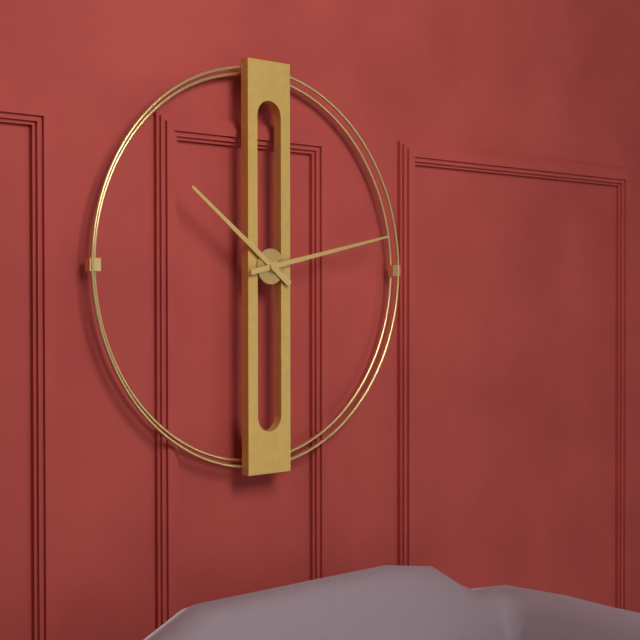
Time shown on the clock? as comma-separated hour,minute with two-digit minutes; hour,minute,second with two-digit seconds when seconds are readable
10,13
